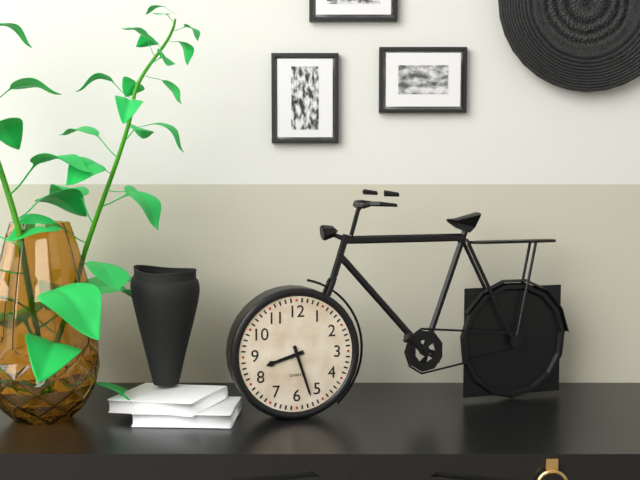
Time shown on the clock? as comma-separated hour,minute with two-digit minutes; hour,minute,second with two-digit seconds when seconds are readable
8,27
